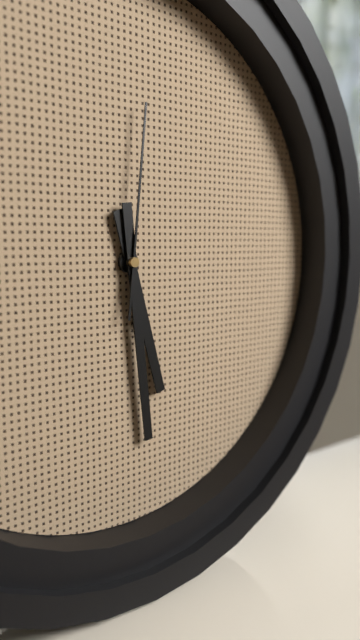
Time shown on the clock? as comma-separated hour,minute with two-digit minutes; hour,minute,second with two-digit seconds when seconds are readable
5,29,01
